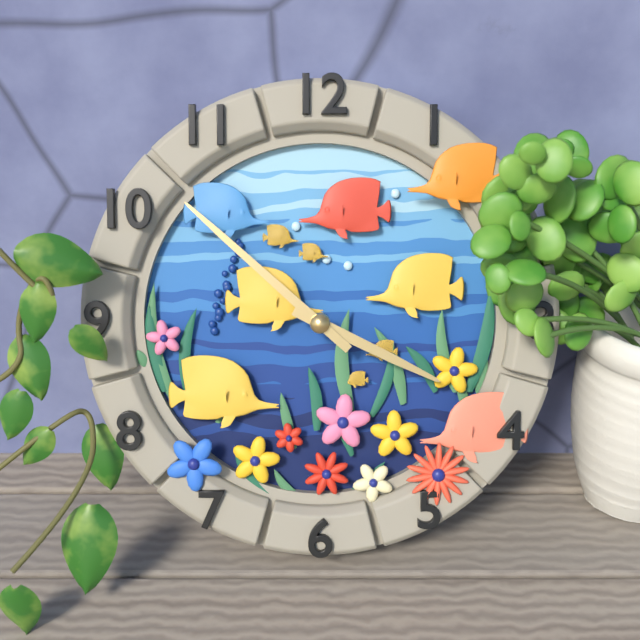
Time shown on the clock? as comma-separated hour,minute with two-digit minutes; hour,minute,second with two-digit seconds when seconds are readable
3,52
